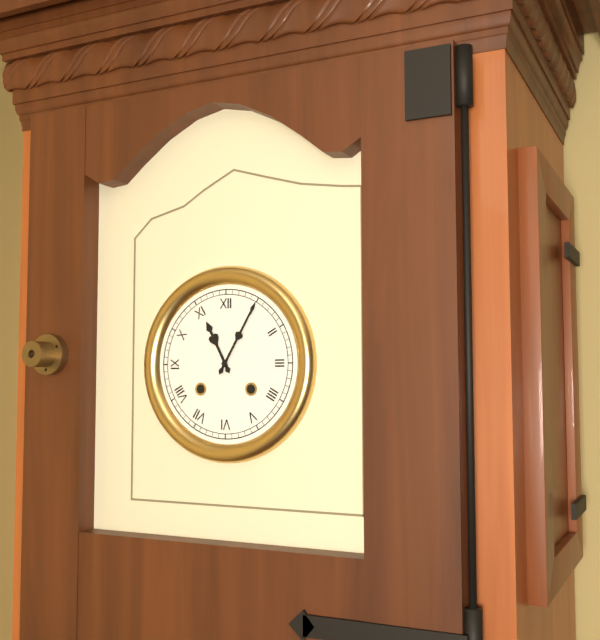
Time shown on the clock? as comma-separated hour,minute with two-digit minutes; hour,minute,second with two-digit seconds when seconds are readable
11,05
